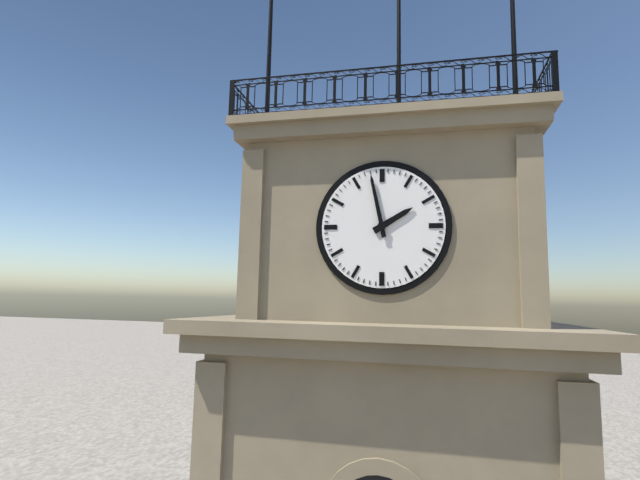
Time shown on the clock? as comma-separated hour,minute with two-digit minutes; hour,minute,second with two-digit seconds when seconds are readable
1,58
